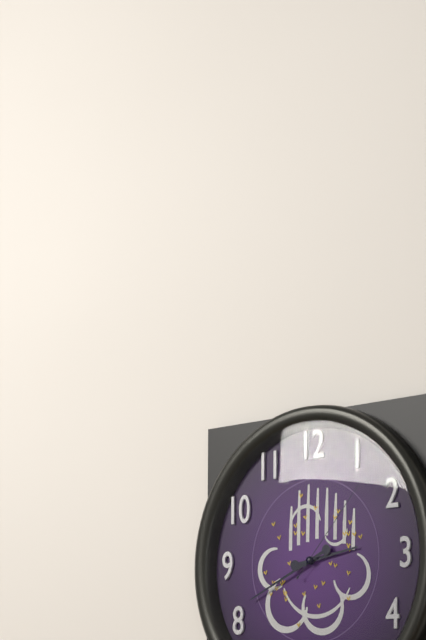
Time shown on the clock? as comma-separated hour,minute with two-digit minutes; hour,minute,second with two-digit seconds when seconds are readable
2,41,07
